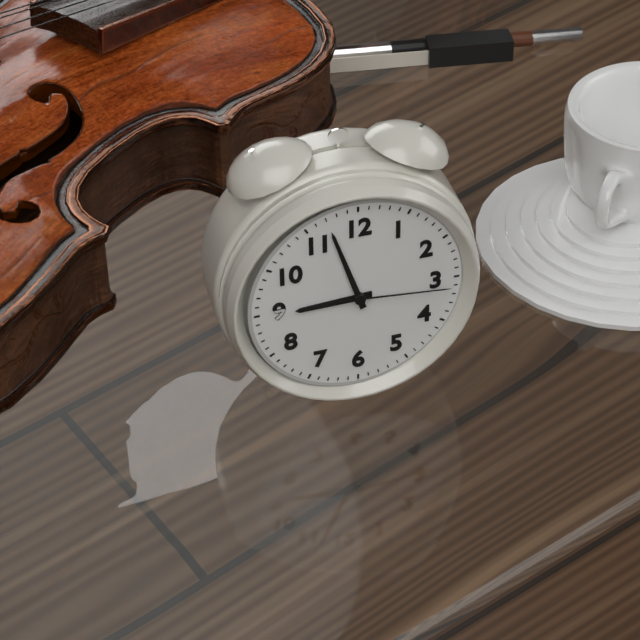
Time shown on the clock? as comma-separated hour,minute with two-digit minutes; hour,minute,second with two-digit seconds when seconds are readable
8,57,16
